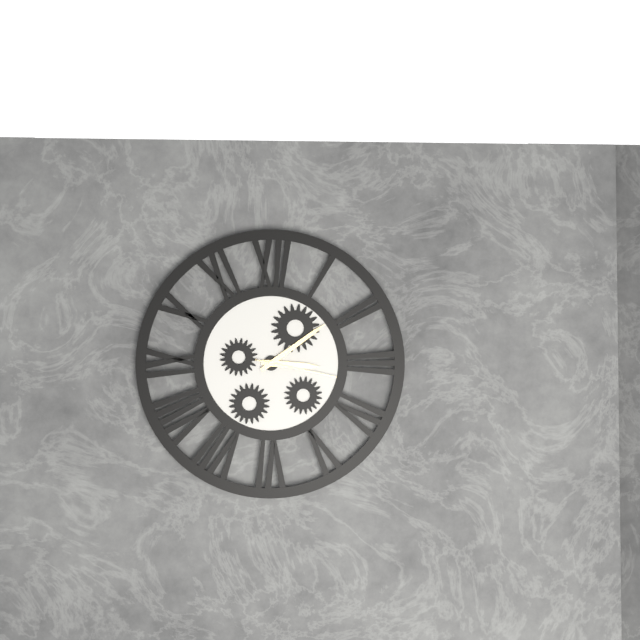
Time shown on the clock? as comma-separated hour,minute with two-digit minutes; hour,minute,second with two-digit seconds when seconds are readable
3,09,17
